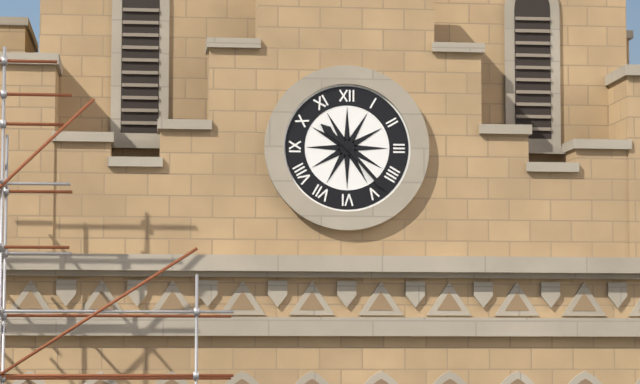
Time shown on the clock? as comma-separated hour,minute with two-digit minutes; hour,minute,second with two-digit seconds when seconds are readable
10,23
